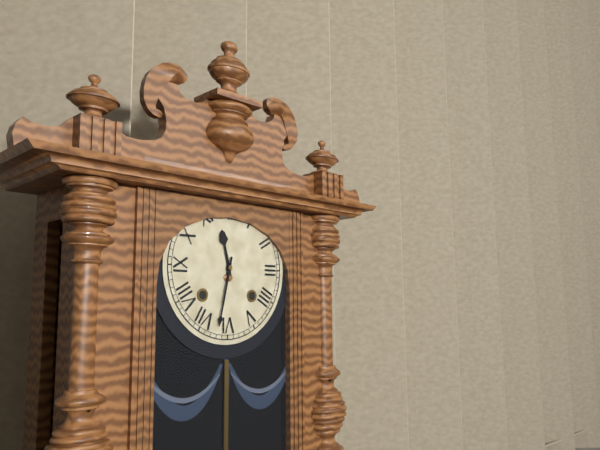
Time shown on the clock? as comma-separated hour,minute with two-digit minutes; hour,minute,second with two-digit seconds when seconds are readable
11,32
